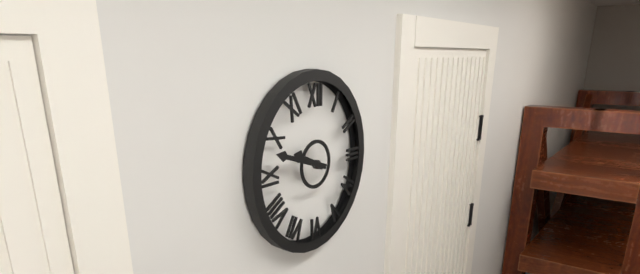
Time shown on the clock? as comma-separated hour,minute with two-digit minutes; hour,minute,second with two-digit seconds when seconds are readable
9,48
